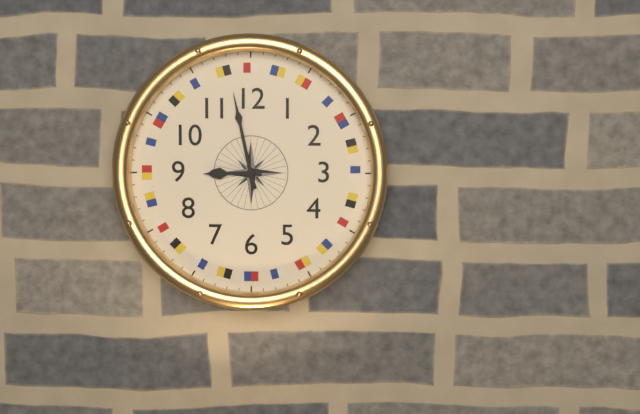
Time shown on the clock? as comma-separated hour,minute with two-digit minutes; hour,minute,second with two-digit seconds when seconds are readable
8,58
